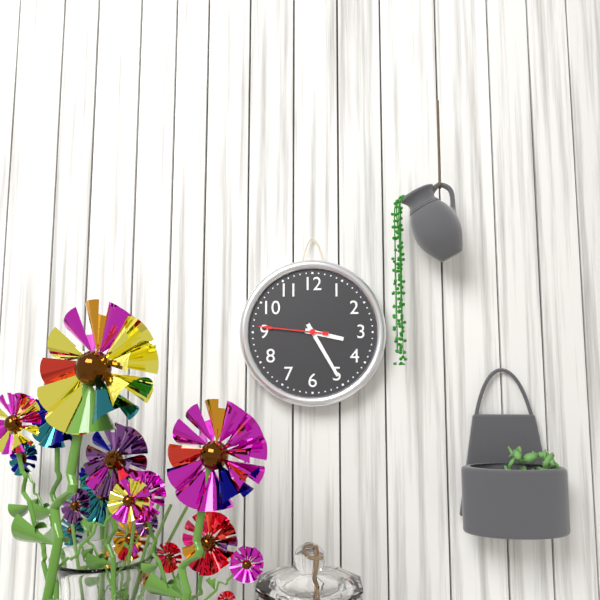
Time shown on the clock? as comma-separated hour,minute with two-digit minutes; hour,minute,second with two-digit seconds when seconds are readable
3,25,46
